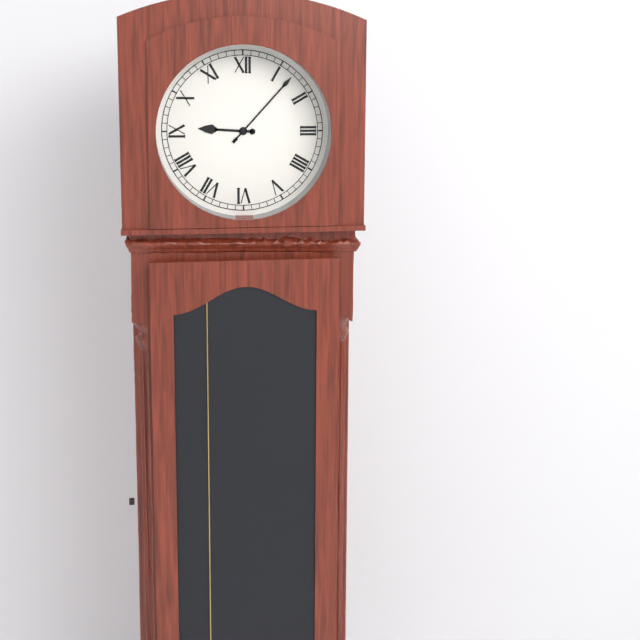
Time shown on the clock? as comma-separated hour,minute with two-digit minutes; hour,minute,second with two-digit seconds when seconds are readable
9,07
